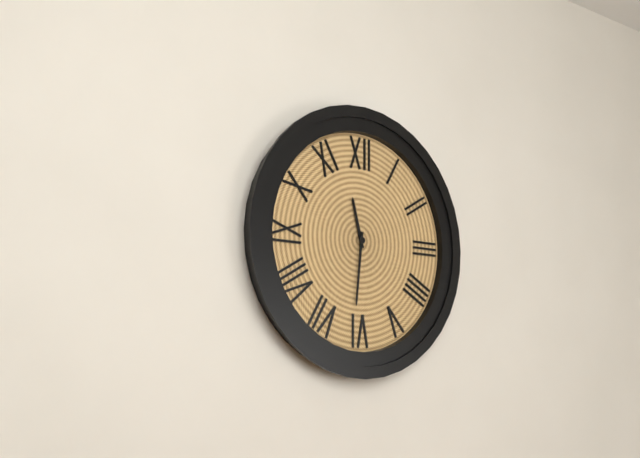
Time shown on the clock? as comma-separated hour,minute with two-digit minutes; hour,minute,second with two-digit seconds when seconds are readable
11,31
